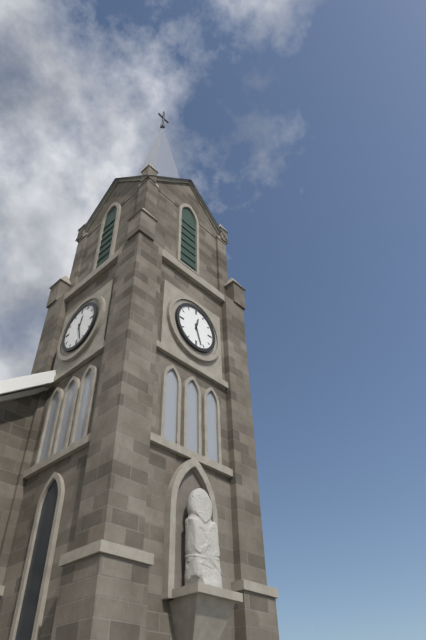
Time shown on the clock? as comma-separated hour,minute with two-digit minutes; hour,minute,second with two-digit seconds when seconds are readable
12,27
